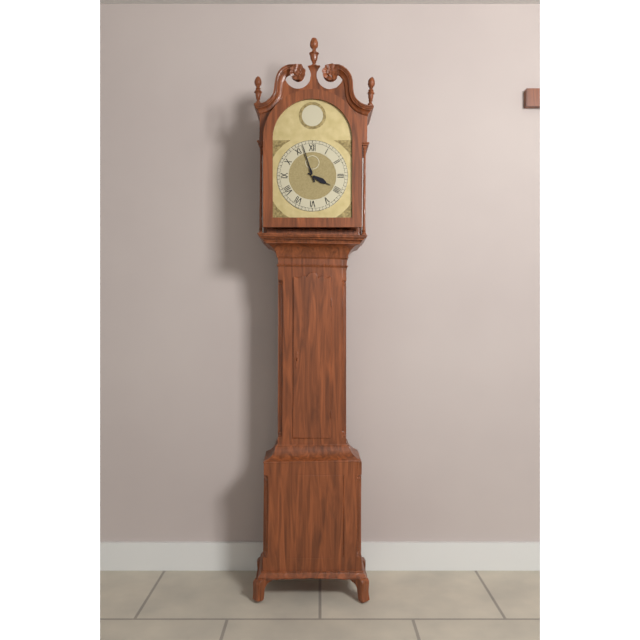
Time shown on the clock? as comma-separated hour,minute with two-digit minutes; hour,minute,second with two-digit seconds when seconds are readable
3,57
